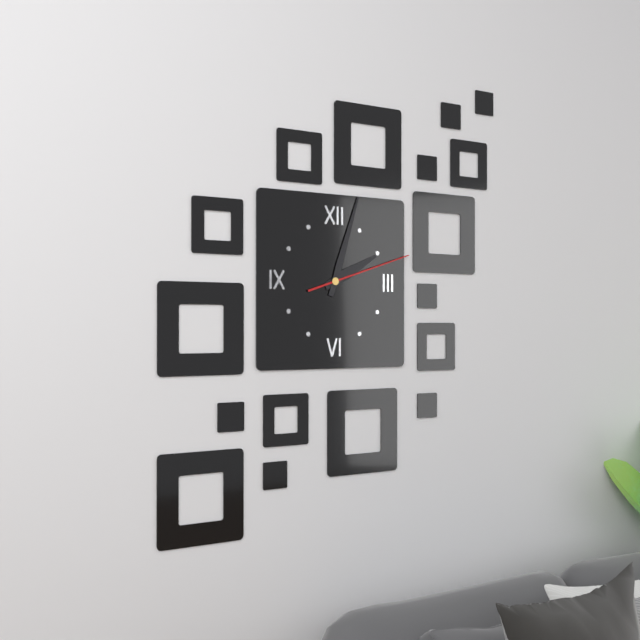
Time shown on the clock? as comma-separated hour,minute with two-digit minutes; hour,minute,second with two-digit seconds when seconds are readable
2,03,12
